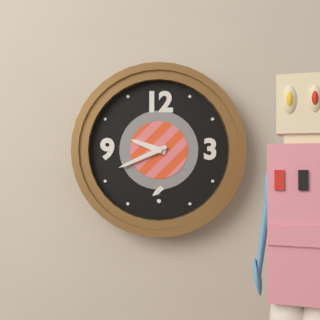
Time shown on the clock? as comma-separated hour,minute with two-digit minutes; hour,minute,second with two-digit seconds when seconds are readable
9,41
